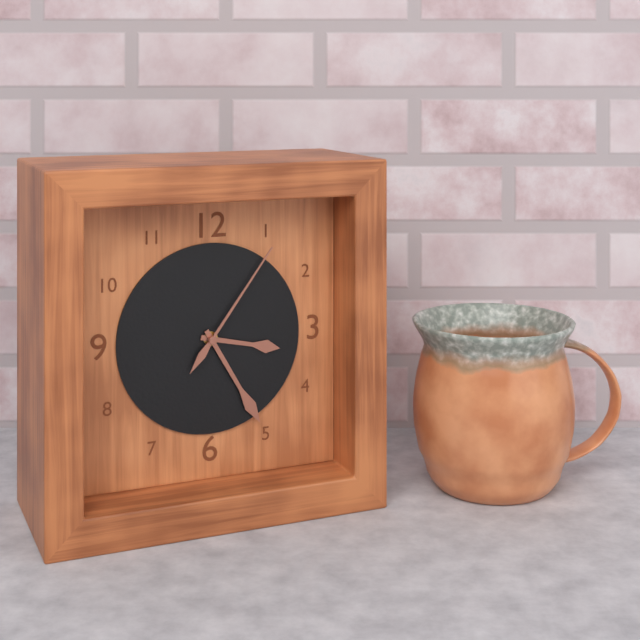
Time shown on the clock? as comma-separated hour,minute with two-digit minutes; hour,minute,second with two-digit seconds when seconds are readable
3,25,06
